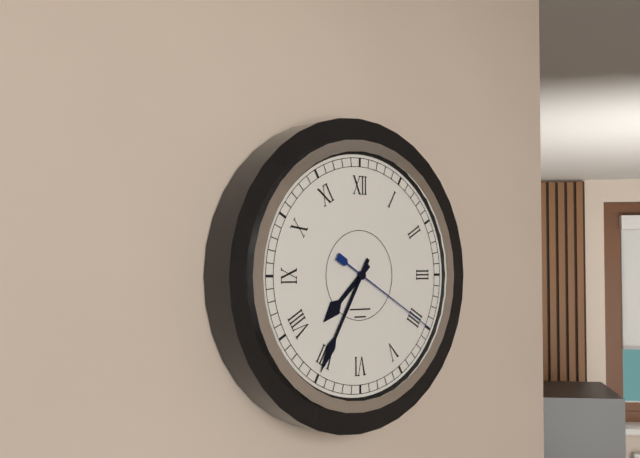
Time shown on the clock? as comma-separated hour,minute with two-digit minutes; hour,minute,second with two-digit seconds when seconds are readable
7,35,20
